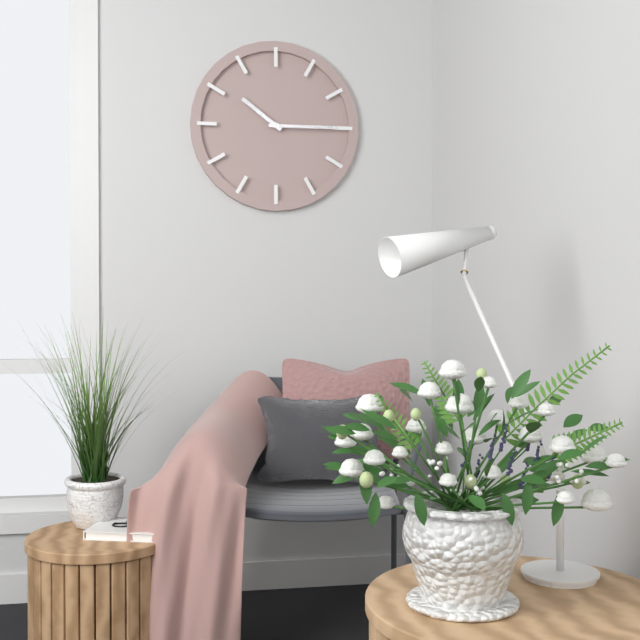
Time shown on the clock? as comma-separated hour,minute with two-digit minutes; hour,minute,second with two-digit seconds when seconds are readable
10,15
